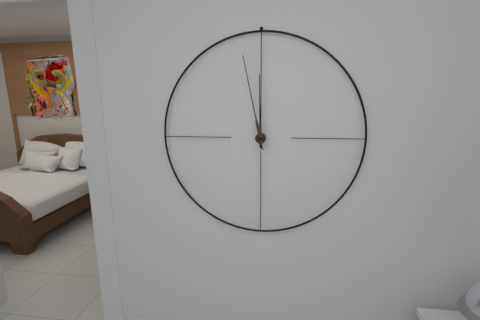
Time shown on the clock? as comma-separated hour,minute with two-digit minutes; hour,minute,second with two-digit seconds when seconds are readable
11,58
